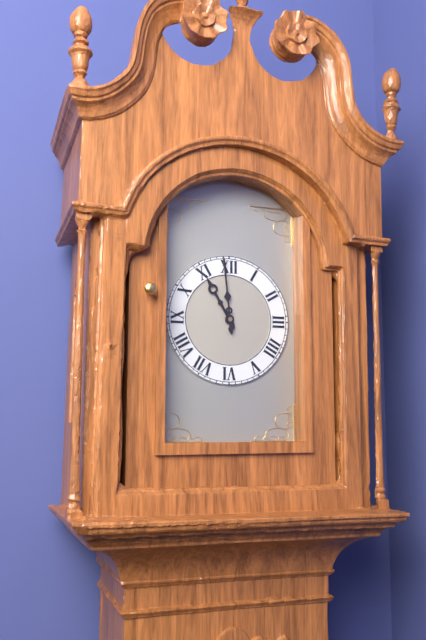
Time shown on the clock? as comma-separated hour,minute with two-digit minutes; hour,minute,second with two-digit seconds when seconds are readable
10,59
